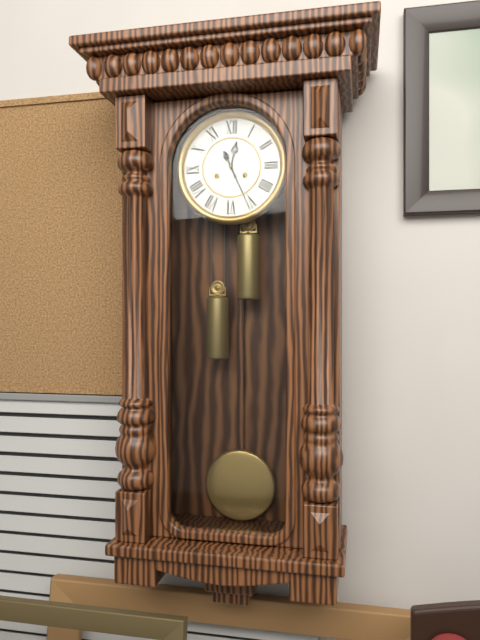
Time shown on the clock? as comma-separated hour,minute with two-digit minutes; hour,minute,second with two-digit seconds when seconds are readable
12,26
